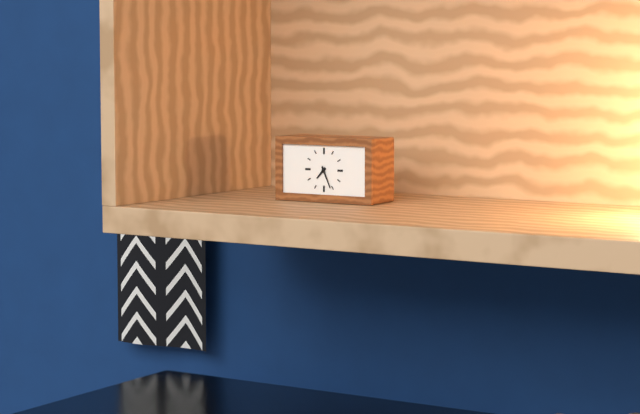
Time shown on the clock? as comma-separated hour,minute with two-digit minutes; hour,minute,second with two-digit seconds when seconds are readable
7,26
